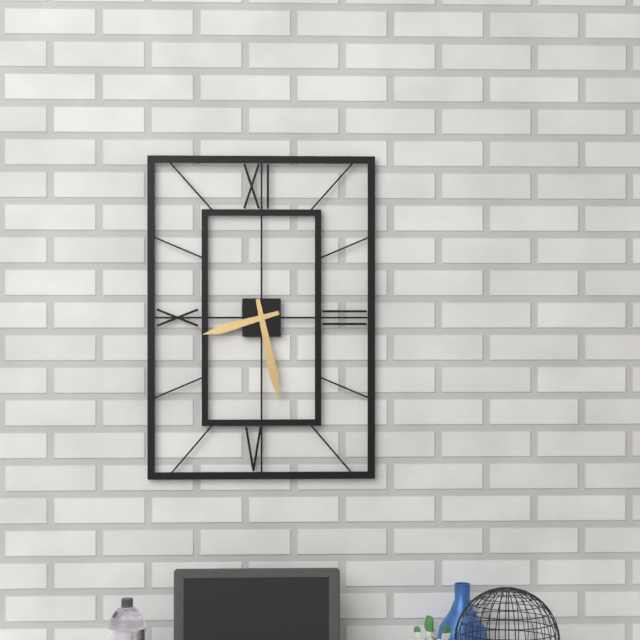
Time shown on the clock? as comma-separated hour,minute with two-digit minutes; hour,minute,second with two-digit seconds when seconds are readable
8,28
